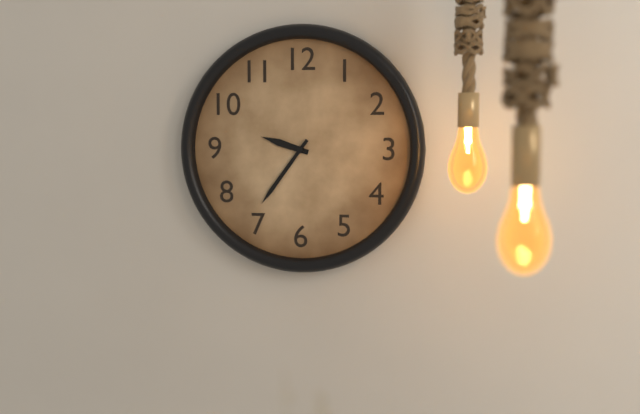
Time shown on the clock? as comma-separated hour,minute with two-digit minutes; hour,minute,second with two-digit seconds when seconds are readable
9,36
